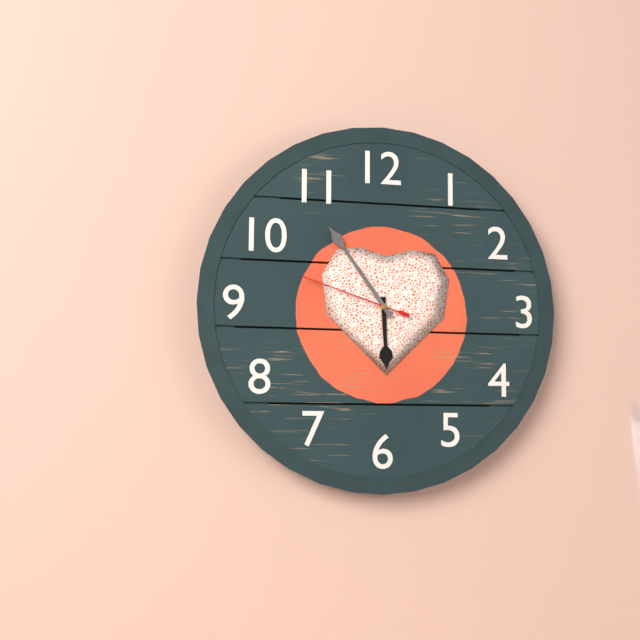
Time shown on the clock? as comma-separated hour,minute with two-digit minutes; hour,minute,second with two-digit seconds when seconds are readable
5,54,48
